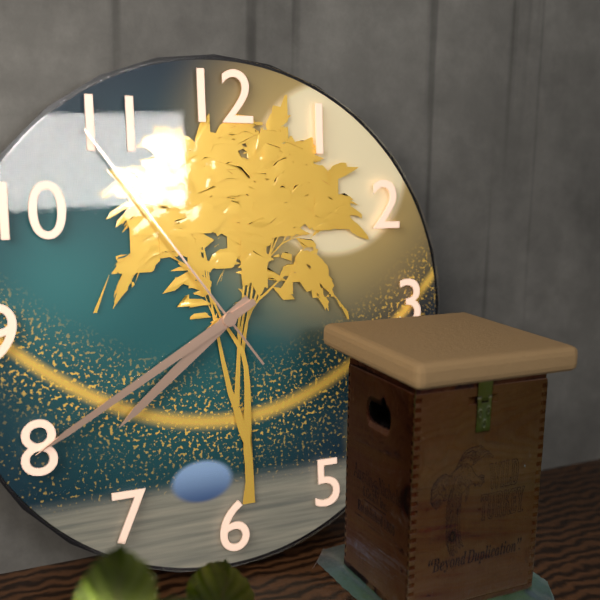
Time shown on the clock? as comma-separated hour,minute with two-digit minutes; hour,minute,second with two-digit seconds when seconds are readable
7,40,54
